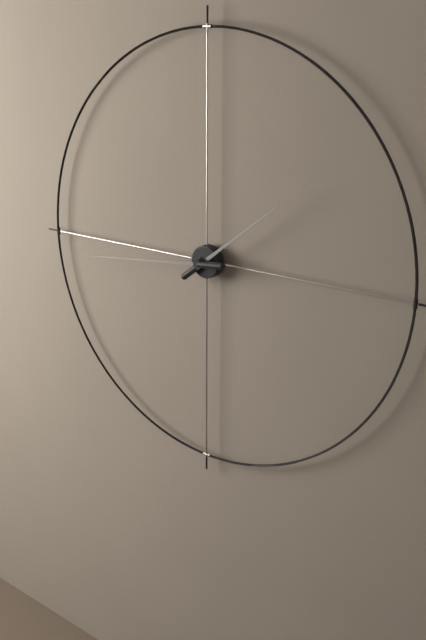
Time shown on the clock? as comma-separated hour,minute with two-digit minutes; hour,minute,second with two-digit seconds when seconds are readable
1,44
